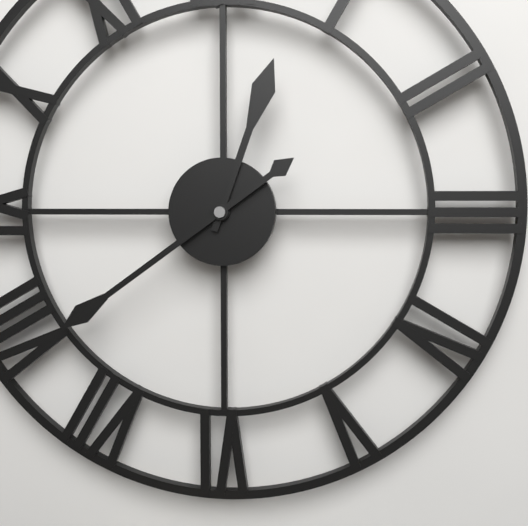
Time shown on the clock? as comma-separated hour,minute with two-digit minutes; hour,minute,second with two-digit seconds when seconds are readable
12,39
